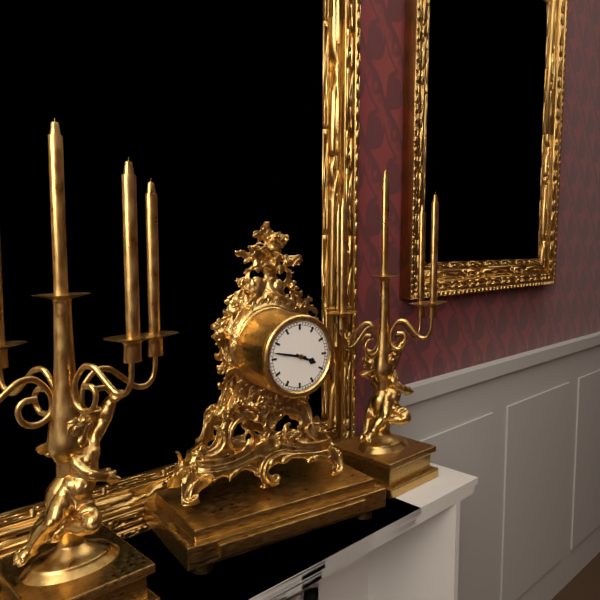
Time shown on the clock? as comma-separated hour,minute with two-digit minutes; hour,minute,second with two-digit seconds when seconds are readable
3,47
